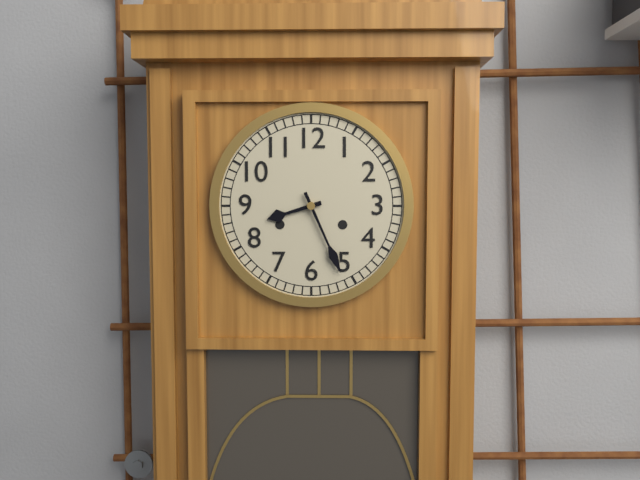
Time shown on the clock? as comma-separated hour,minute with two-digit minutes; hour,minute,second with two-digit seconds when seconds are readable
8,26
